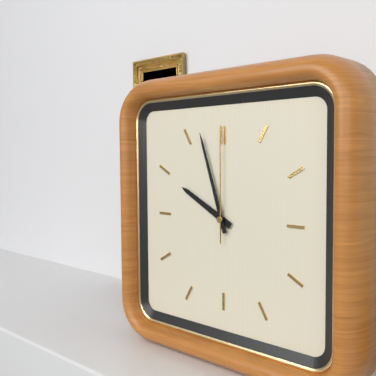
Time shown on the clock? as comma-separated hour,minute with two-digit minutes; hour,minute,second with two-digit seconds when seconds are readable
9,57,00
